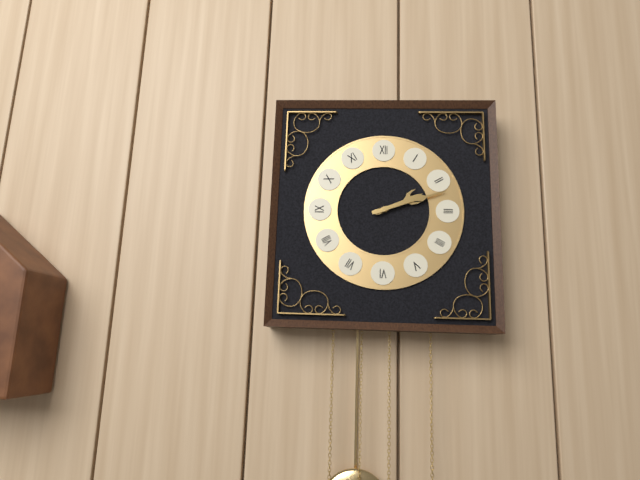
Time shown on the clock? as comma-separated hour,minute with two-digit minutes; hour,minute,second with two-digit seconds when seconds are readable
2,12
